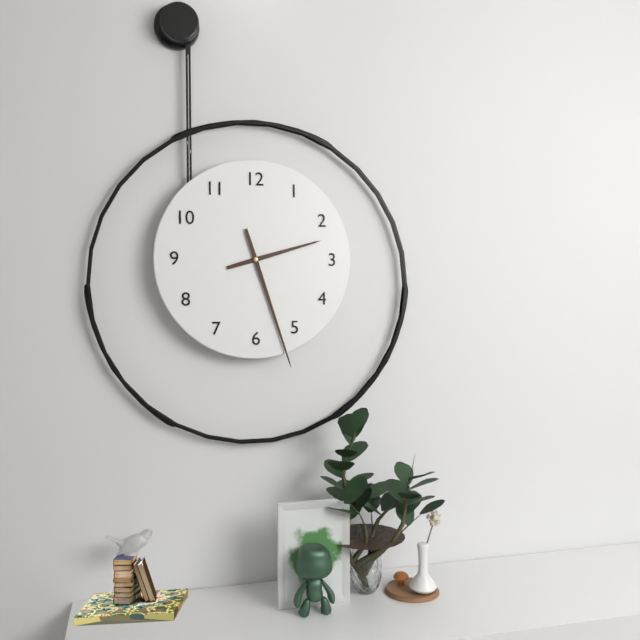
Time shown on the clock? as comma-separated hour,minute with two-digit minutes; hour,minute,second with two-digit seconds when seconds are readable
2,27
